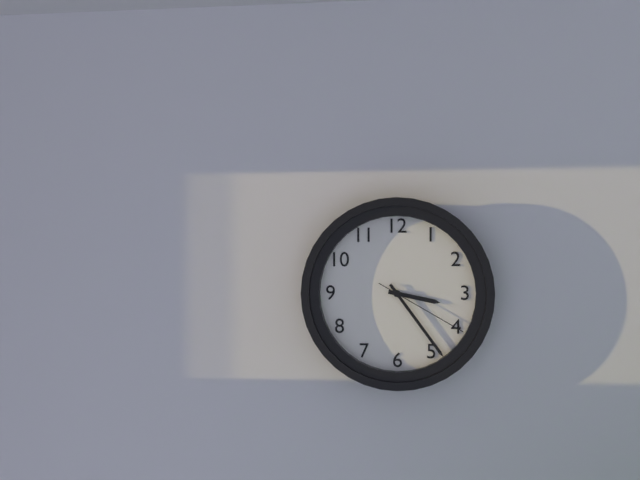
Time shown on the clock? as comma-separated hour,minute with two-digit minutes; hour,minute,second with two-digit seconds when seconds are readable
3,24,20
